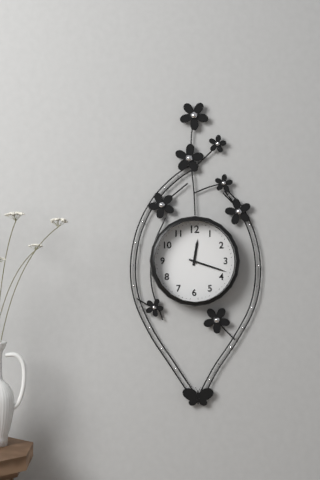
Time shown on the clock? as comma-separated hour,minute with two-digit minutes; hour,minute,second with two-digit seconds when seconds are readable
12,18
